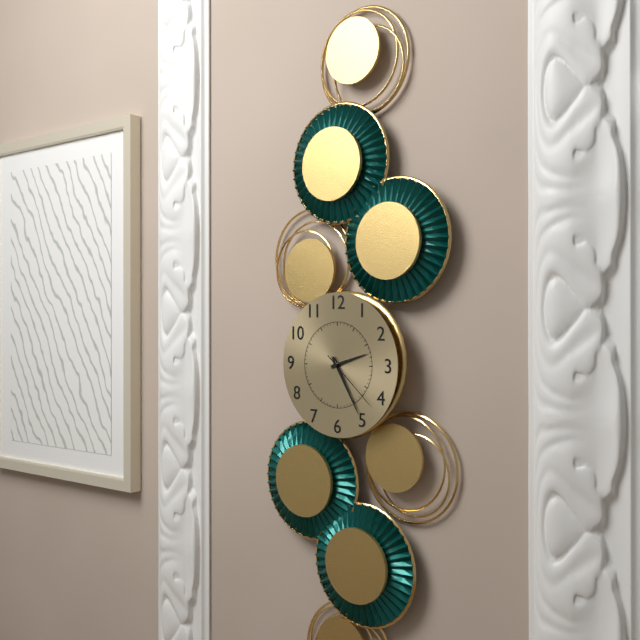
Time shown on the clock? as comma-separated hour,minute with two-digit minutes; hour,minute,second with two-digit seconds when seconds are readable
2,25,22
